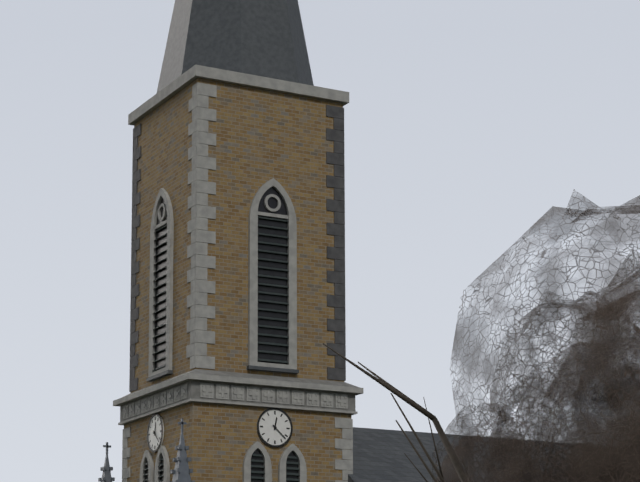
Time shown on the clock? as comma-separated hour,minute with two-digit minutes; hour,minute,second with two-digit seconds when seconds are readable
12,22
